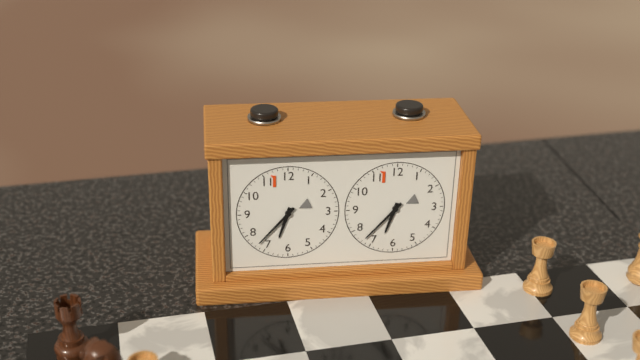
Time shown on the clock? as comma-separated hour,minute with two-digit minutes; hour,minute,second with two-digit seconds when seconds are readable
6,37
